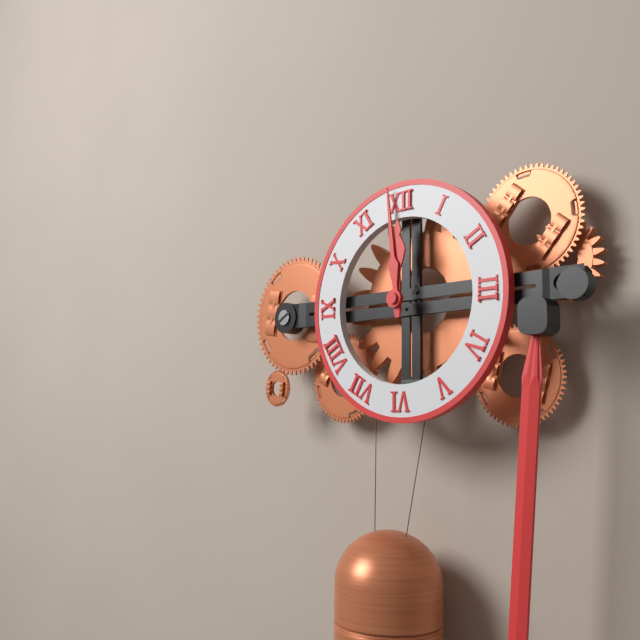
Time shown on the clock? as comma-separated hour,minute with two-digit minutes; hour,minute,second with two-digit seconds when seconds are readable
11,59
